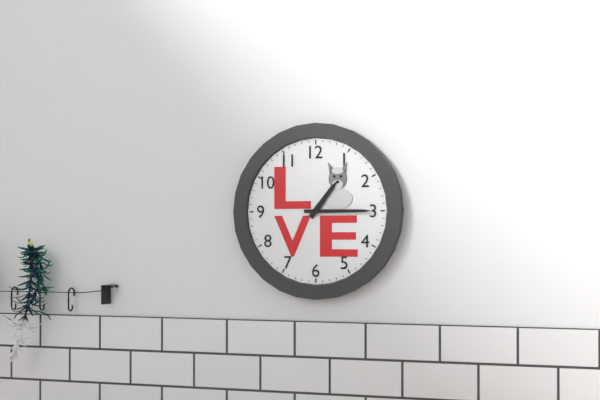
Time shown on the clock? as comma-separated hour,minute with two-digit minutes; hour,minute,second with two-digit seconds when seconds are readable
1,15
